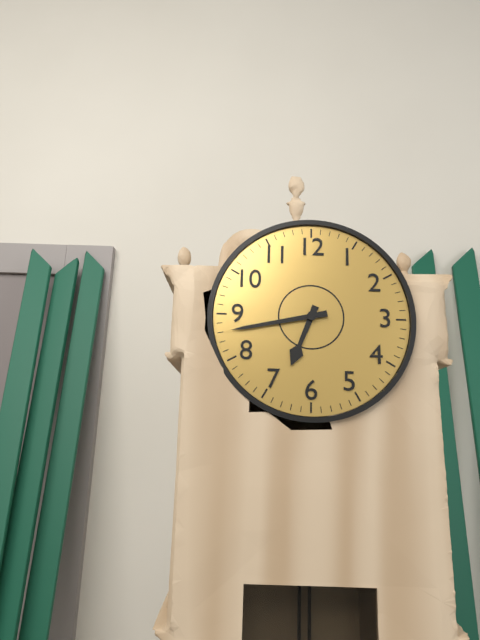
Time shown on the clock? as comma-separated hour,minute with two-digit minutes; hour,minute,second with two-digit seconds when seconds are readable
6,43
